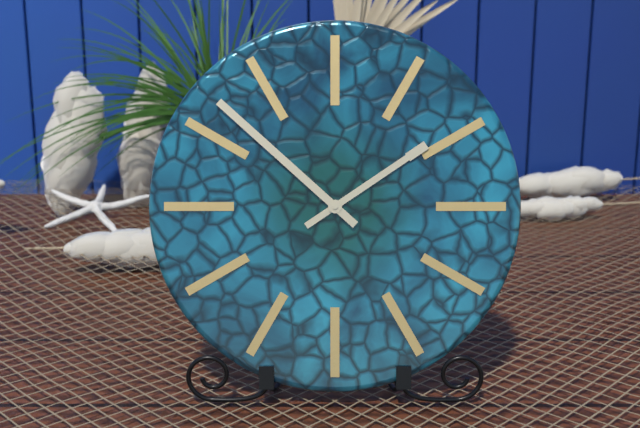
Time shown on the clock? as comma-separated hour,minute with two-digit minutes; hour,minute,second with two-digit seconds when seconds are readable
1,52
